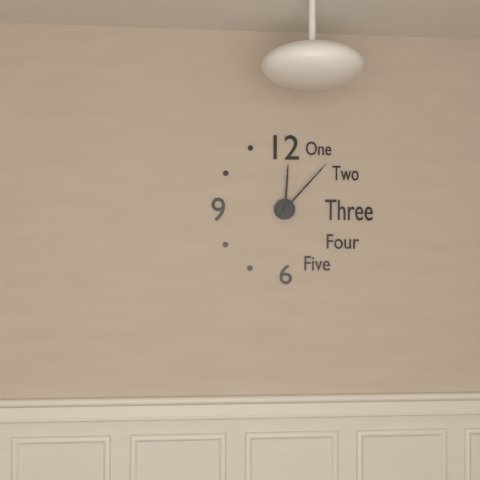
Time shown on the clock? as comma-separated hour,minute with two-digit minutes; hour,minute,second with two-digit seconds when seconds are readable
12,07
